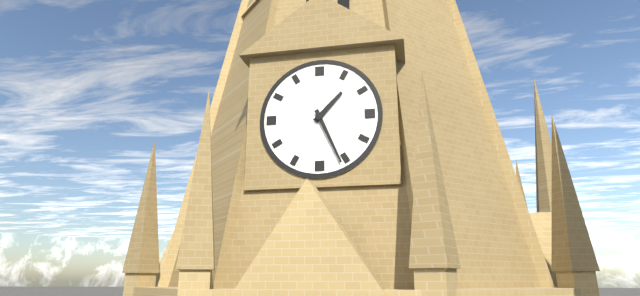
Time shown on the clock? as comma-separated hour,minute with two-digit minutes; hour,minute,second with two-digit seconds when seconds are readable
1,26
